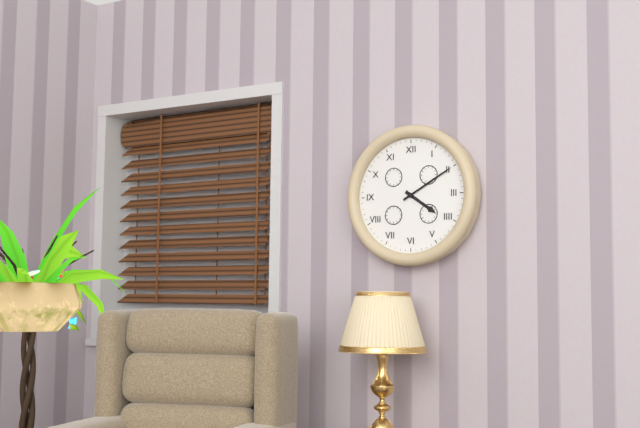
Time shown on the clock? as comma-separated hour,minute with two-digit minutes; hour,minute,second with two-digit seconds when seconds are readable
4,10
